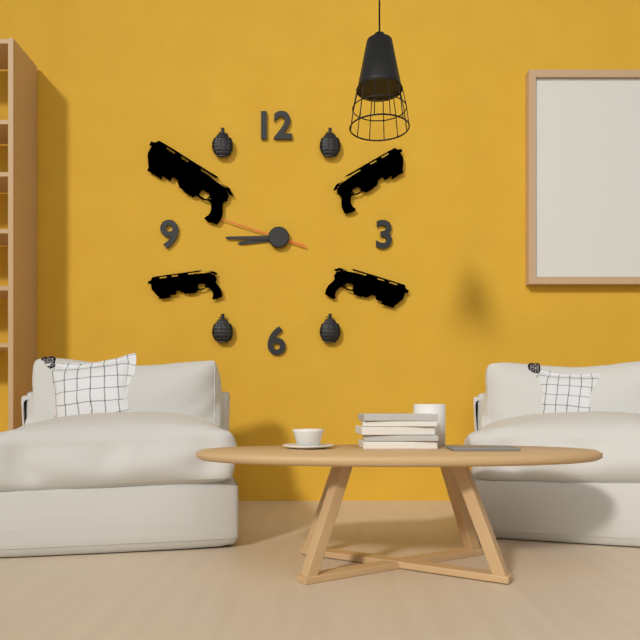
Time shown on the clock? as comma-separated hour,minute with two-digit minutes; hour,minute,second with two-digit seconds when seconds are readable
8,45,48
